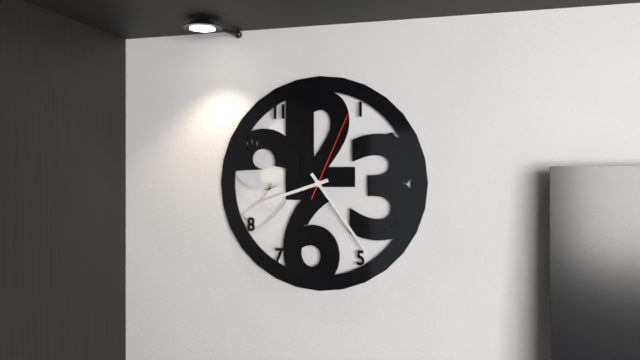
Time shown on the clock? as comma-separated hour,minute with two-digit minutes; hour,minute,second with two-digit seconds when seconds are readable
8,24,04
